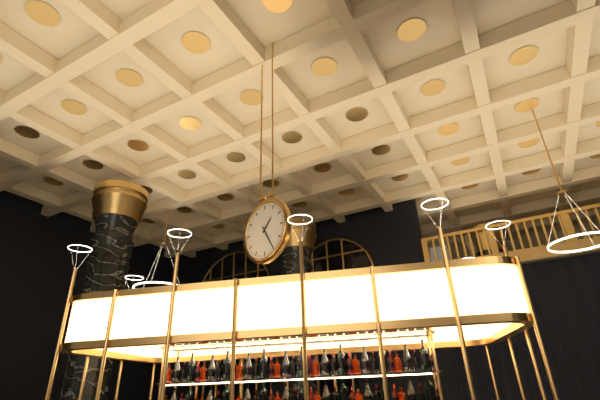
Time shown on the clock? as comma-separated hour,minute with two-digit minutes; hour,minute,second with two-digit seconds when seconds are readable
1,25
